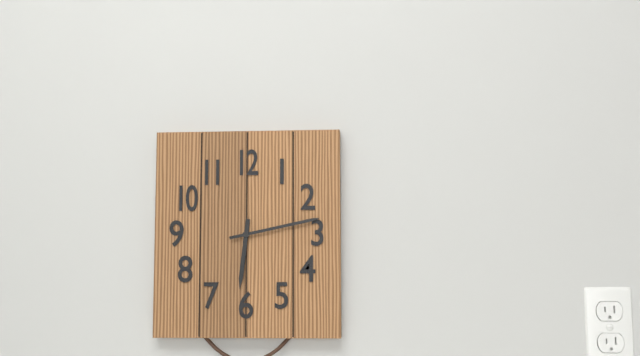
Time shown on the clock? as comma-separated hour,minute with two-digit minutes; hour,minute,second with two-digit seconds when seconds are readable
6,13
